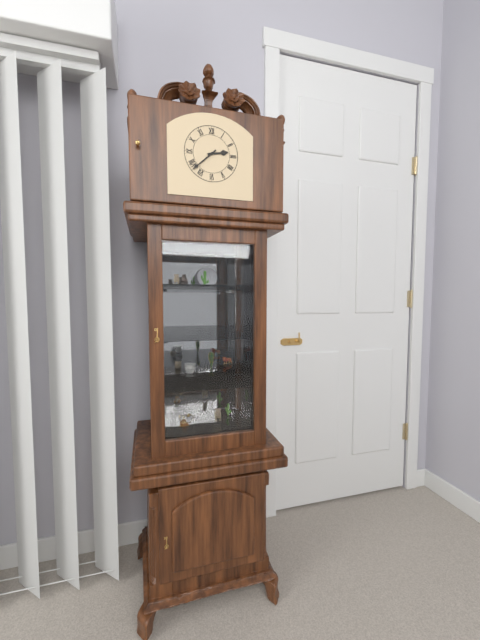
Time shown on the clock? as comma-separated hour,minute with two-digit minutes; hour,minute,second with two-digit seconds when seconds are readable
2,38
